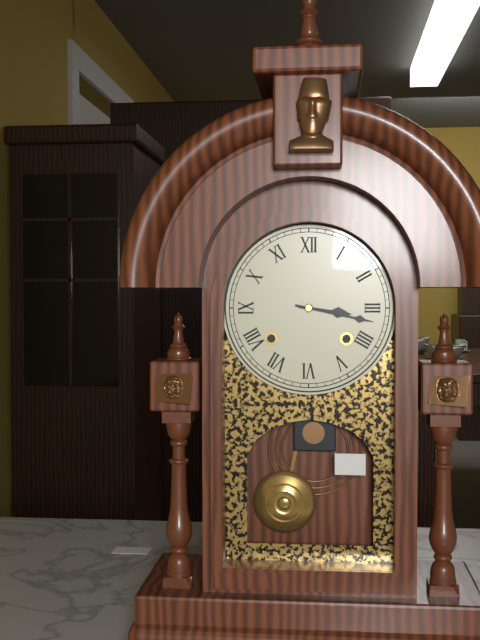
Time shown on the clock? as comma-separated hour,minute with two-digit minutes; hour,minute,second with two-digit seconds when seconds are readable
3,17
